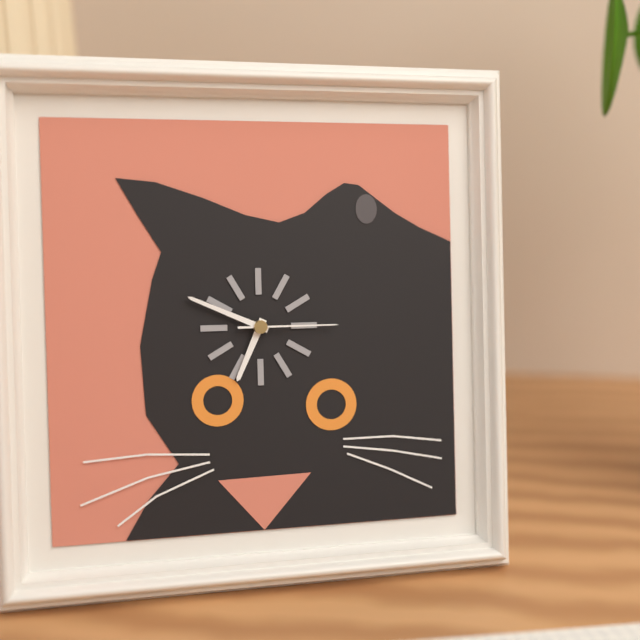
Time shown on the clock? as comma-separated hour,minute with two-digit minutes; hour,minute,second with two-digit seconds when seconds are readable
6,49,15
